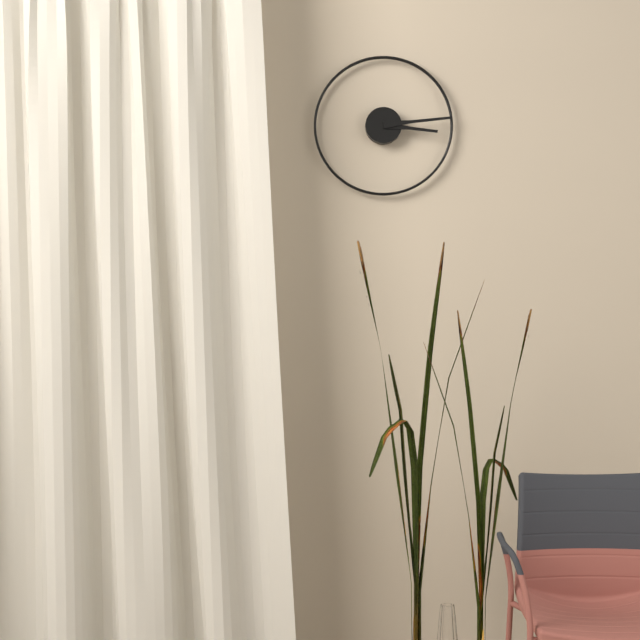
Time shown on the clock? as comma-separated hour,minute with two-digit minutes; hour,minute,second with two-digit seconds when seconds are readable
3,14
